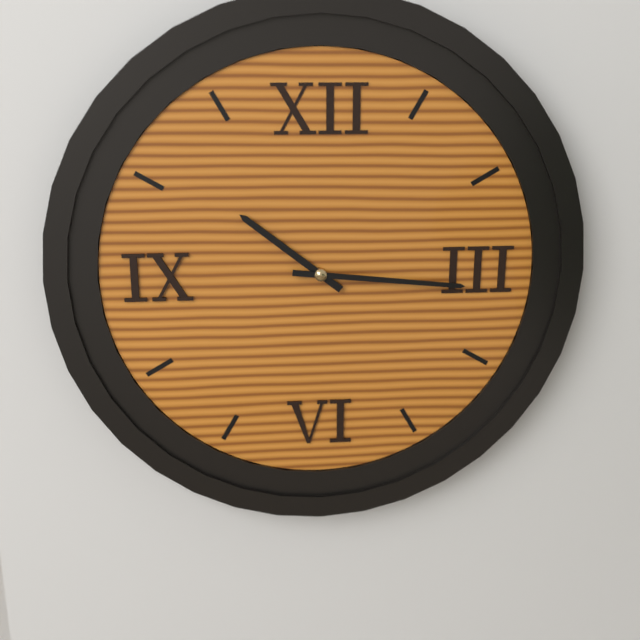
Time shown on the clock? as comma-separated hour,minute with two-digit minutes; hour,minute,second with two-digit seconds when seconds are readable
10,16
